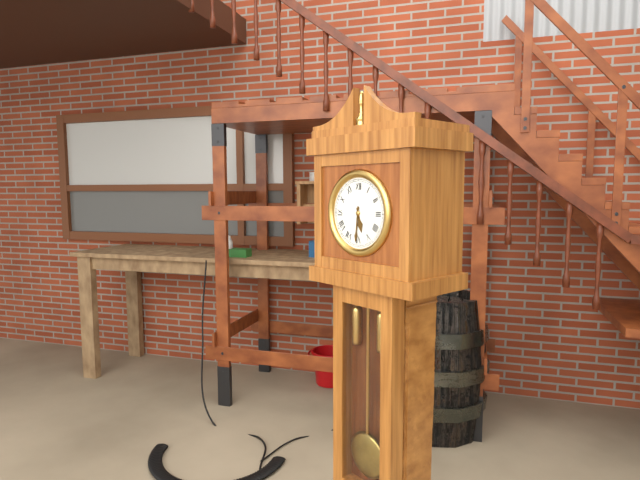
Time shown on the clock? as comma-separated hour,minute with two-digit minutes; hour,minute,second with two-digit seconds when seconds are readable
5,31
